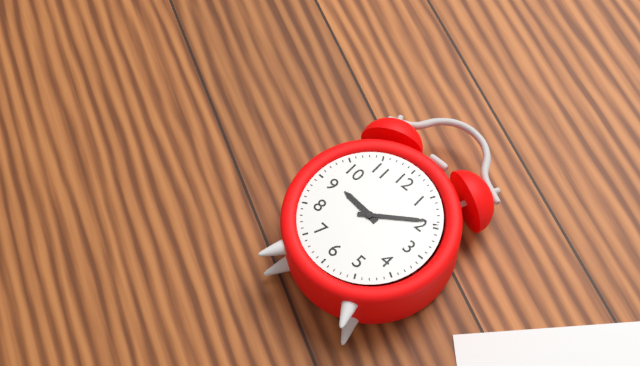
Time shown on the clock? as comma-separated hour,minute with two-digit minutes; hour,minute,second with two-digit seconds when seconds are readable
9,09
